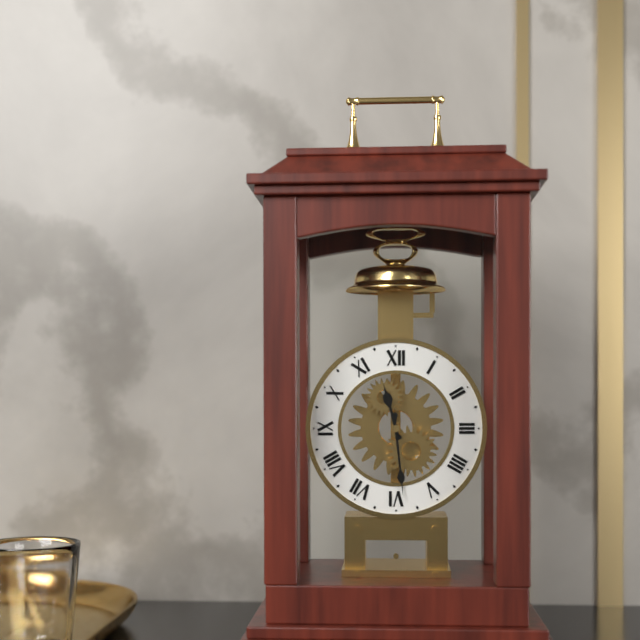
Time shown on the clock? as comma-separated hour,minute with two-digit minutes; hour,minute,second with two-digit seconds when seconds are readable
11,29
